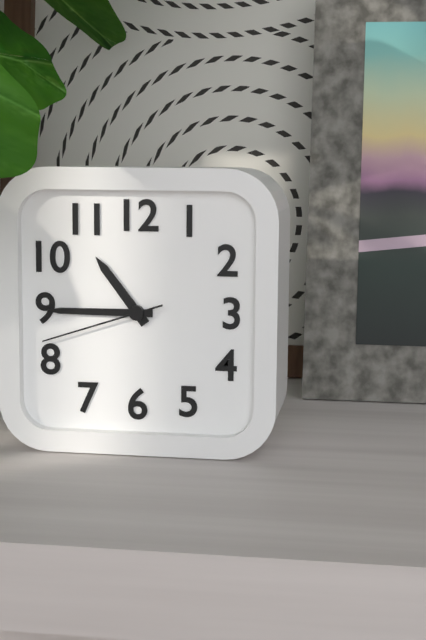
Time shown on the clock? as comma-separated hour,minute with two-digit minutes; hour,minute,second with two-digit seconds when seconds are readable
10,45,42
